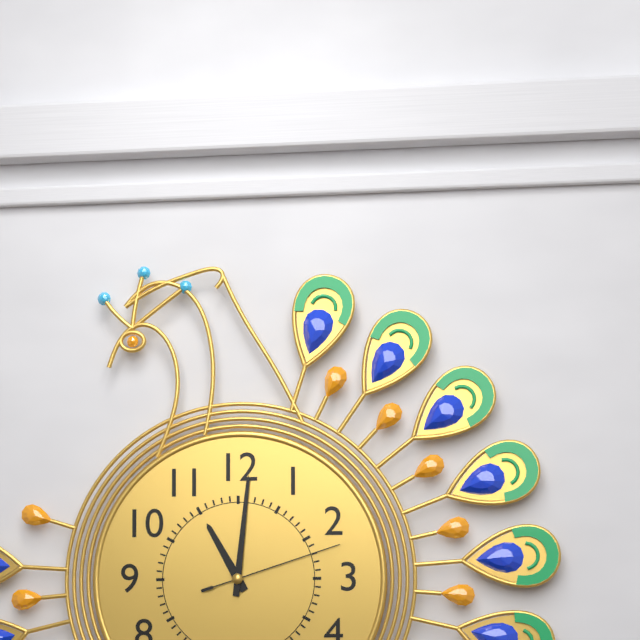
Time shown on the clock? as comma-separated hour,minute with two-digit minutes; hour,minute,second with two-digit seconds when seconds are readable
11,01,12
